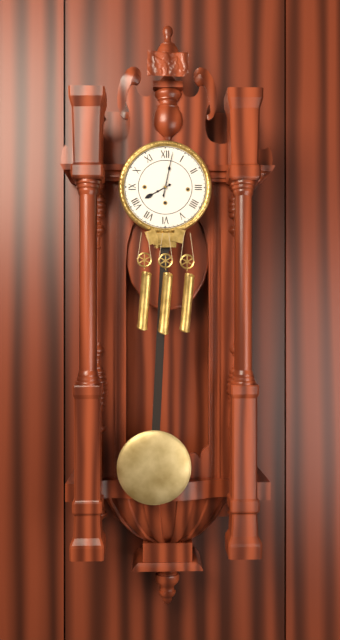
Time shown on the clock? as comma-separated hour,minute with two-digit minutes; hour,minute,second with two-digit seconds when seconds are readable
8,02
